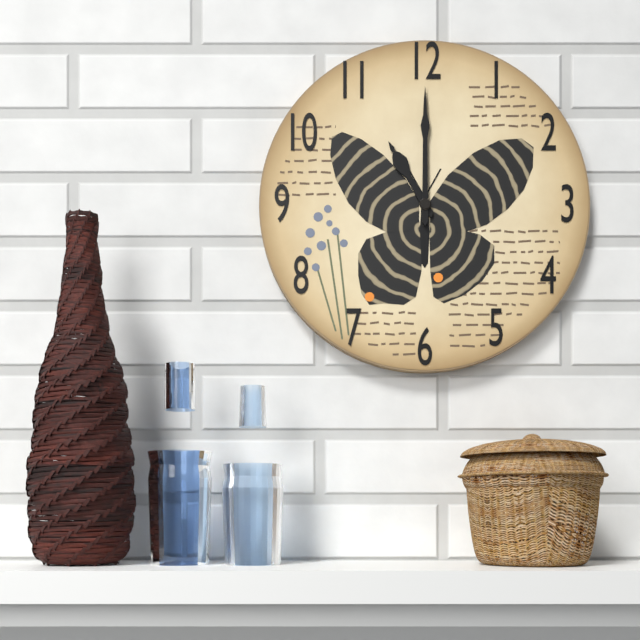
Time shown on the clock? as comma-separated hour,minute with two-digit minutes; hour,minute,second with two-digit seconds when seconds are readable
11,00
